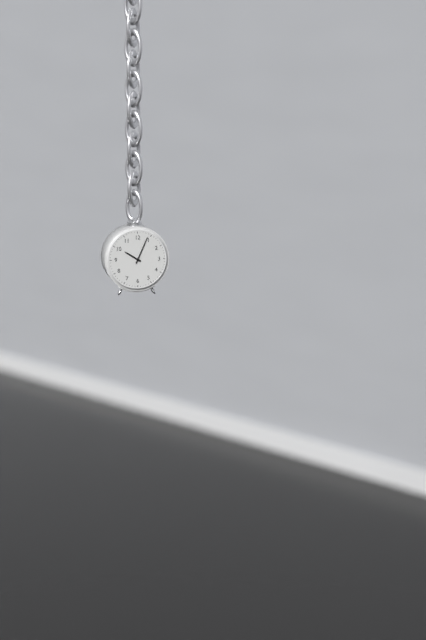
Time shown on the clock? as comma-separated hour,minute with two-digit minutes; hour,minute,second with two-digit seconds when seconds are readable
10,04
